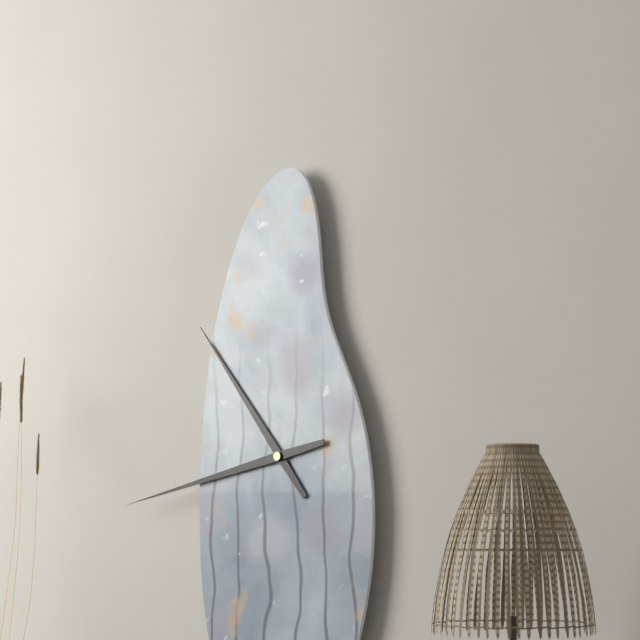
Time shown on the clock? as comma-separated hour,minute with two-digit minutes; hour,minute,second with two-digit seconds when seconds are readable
10,43
